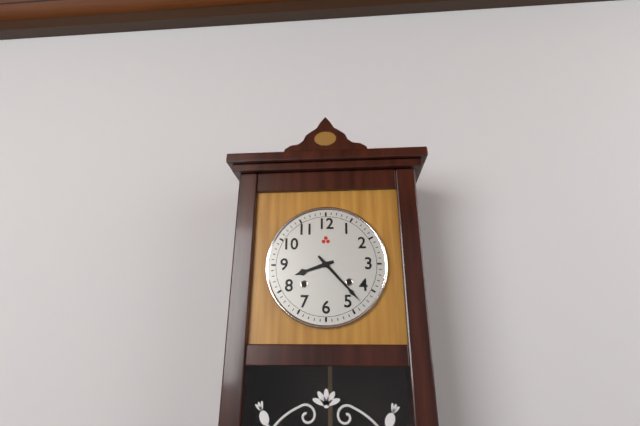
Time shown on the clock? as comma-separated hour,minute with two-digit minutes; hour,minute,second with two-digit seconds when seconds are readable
8,23
